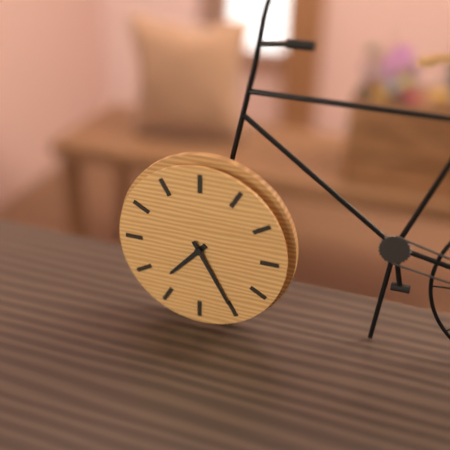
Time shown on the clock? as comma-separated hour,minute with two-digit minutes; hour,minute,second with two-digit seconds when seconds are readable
7,25
